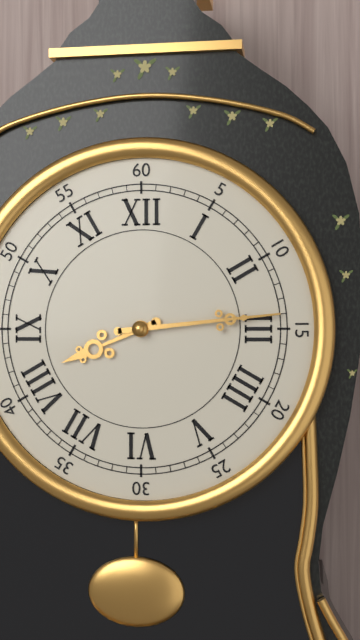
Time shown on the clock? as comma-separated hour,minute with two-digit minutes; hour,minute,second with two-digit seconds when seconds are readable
8,14
